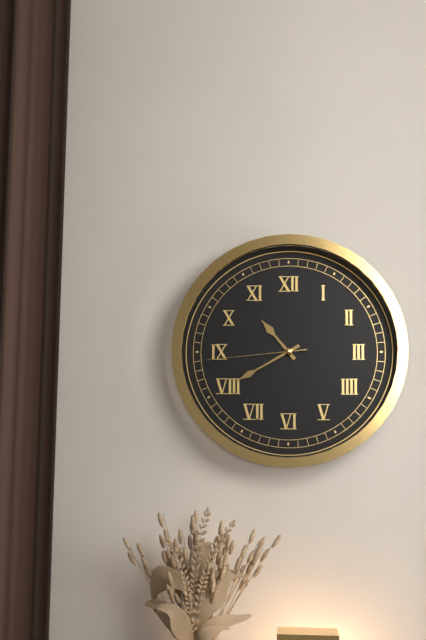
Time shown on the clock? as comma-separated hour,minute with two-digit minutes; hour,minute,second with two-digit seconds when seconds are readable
10,40,44
